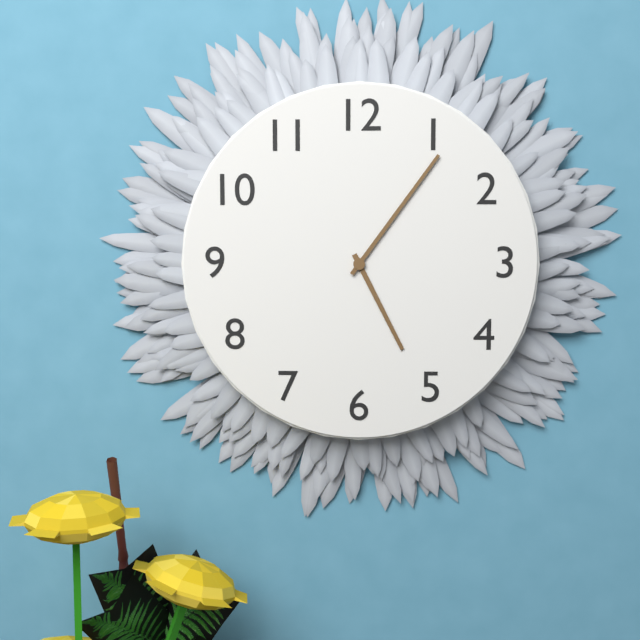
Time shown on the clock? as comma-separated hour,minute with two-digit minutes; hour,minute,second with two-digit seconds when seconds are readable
5,06
